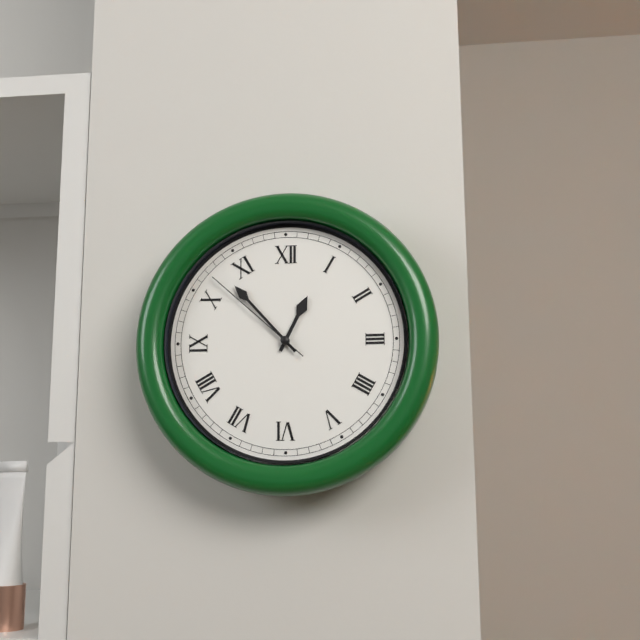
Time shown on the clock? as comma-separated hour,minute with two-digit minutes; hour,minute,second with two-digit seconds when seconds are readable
12,53,52
